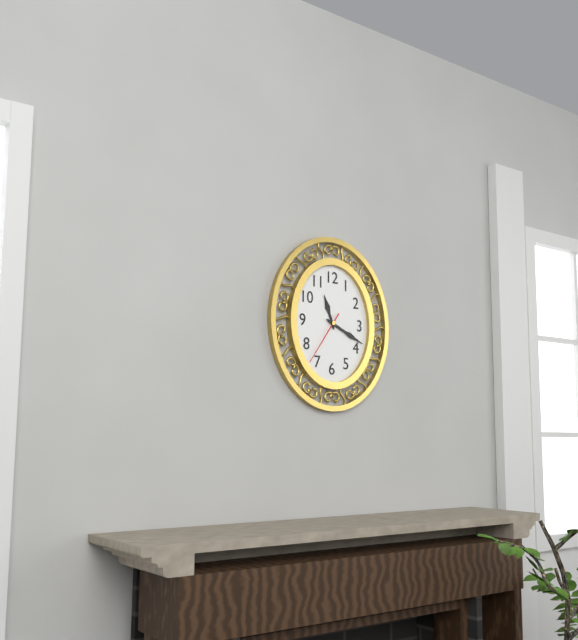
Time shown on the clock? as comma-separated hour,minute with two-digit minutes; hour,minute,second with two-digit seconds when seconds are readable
11,19,36
